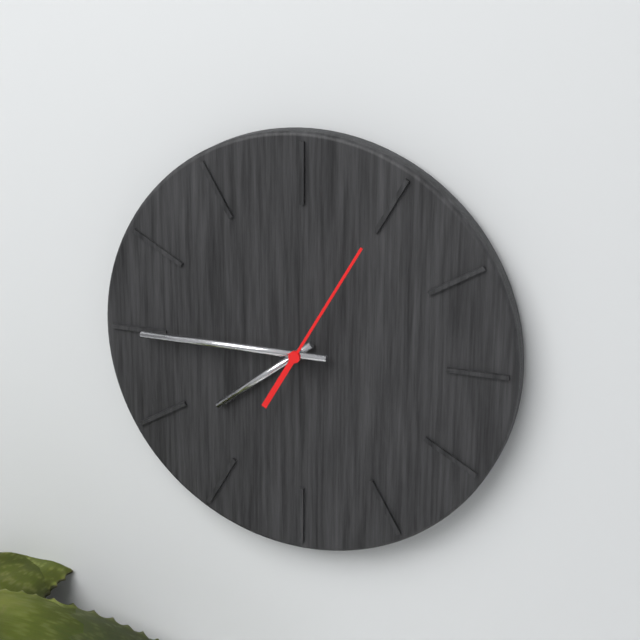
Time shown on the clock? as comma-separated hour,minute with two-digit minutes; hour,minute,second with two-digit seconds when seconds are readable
7,45,05
